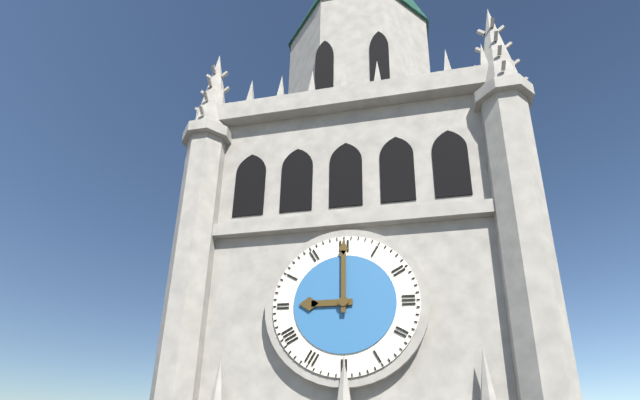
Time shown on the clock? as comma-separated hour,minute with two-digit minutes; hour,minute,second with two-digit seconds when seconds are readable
9,00
